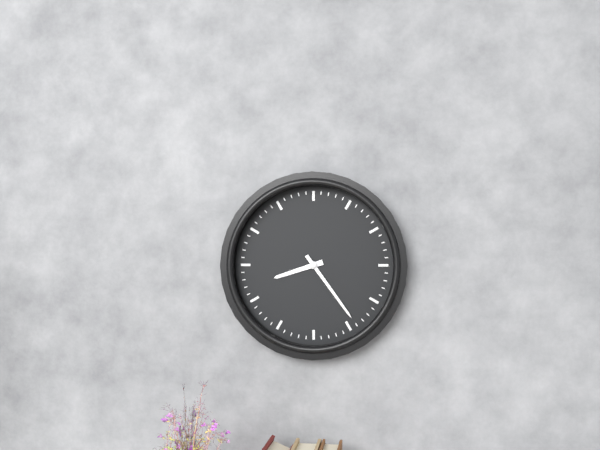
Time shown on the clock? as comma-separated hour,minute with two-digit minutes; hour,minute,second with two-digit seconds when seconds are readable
8,24
